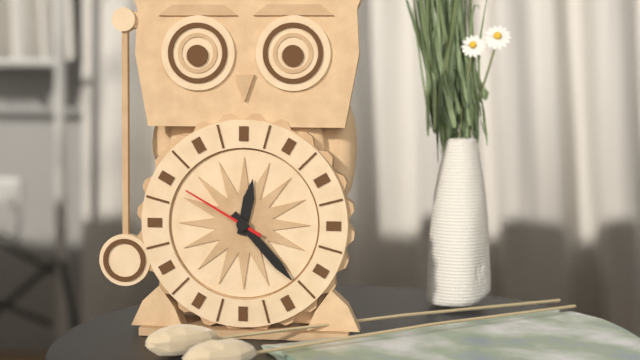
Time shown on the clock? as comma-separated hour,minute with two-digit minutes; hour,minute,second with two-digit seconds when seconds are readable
12,23,50
